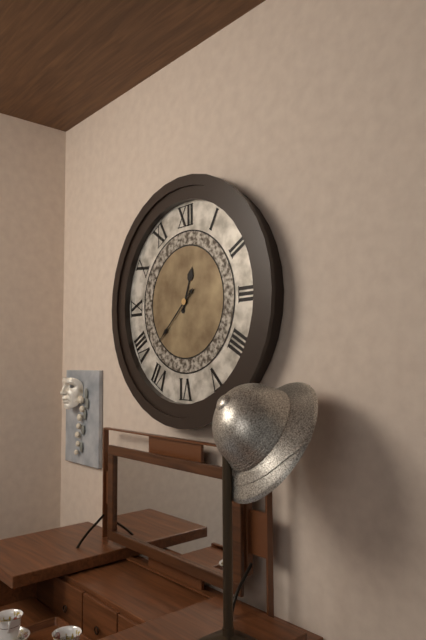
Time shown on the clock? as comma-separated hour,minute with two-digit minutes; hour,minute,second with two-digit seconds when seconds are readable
12,38
